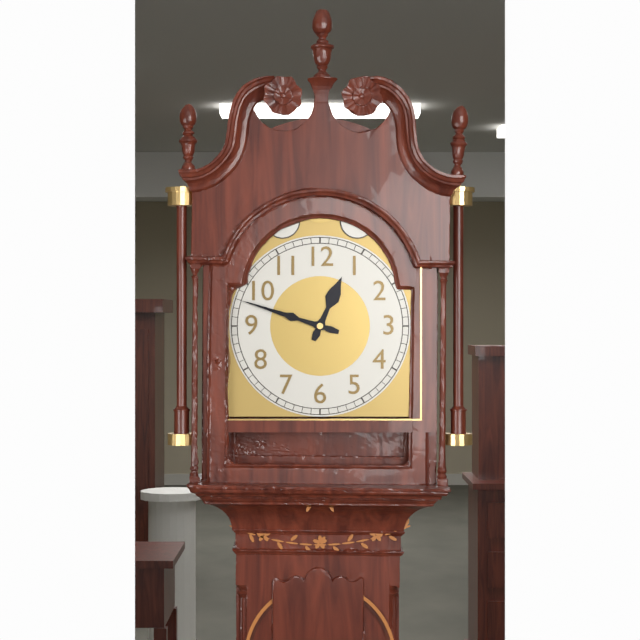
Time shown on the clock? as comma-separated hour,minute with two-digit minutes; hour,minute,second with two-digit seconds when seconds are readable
12,48
